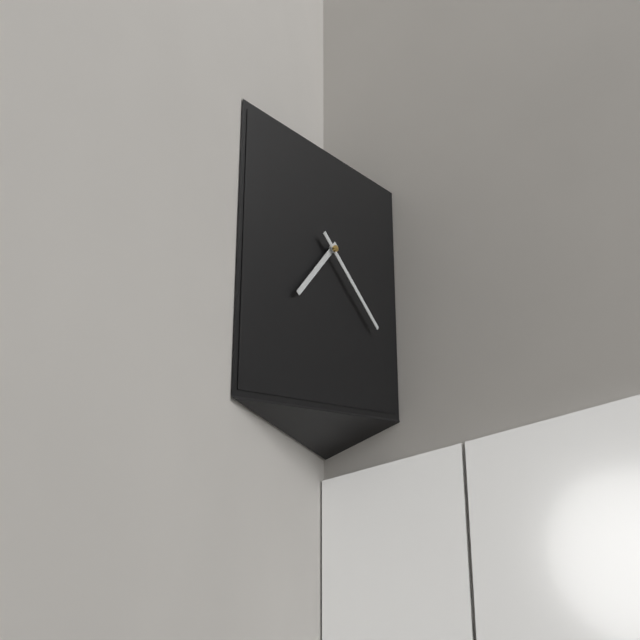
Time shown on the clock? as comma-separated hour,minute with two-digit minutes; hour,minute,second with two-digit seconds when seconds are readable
7,22
